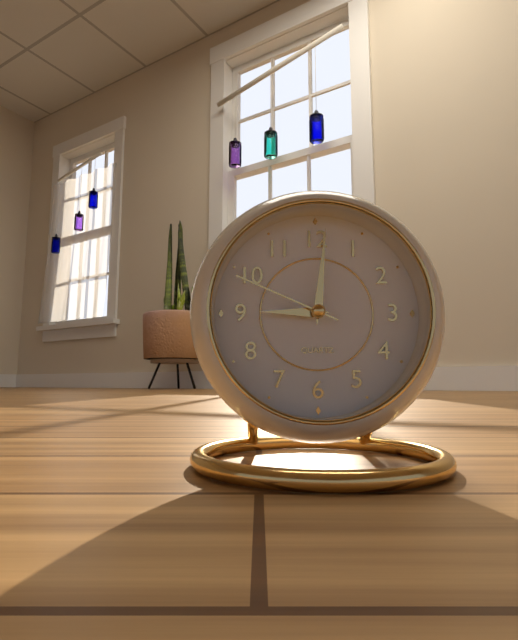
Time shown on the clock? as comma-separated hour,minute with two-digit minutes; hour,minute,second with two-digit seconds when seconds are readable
9,01,49
